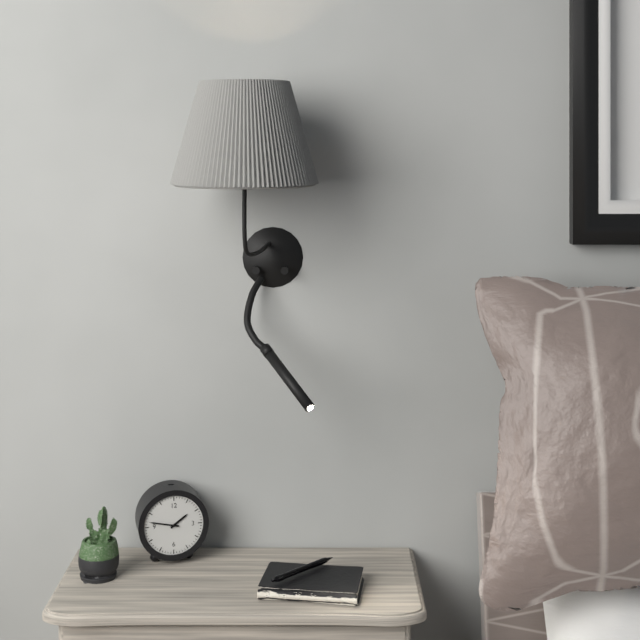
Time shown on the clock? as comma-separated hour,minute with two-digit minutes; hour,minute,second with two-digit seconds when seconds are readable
1,47
